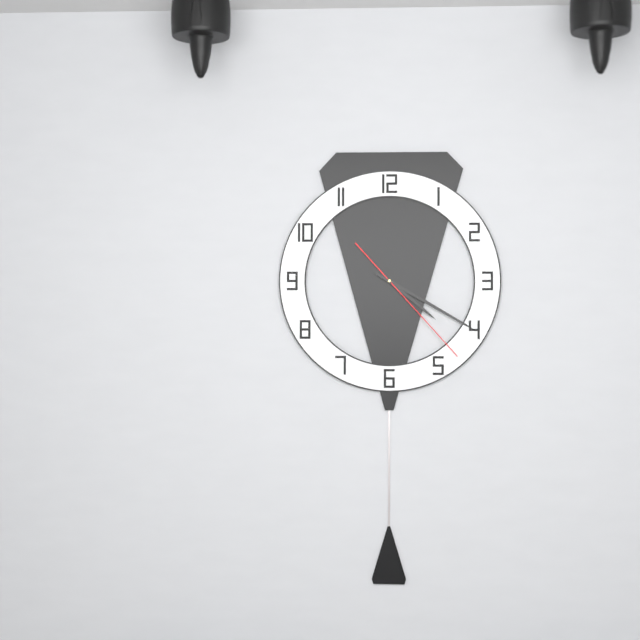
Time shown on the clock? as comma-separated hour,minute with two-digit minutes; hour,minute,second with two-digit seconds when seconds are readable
4,20,23
